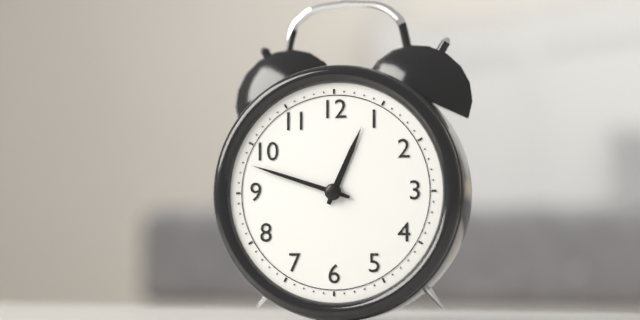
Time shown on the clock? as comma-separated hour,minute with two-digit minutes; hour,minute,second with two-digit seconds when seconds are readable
12,48
